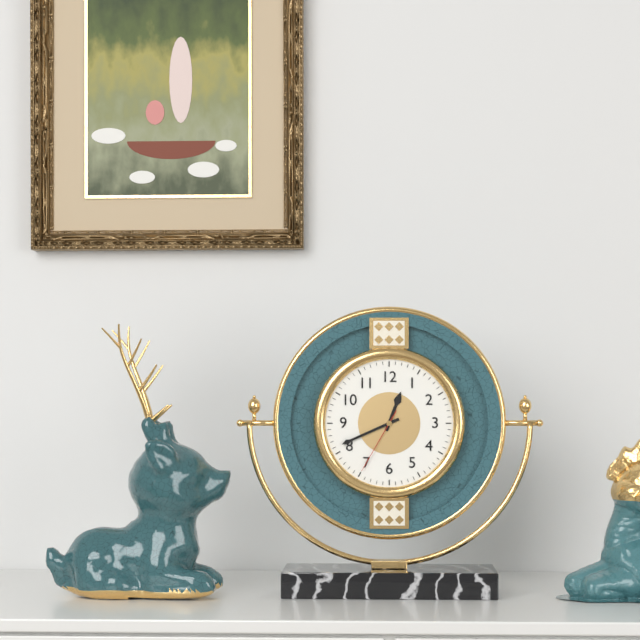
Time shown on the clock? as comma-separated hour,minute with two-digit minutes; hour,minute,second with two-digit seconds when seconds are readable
12,41,35
